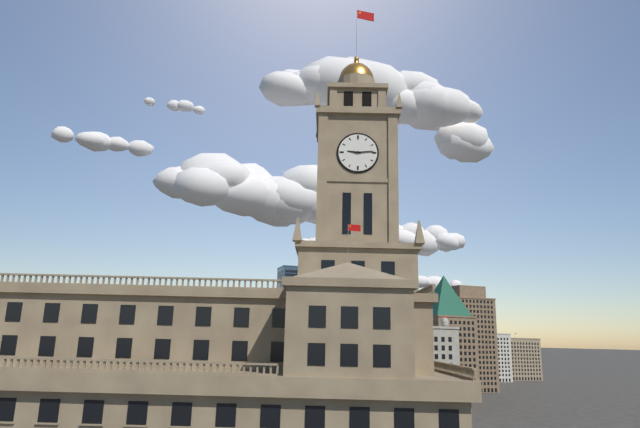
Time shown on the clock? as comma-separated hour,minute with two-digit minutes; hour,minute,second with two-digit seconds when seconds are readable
9,14
